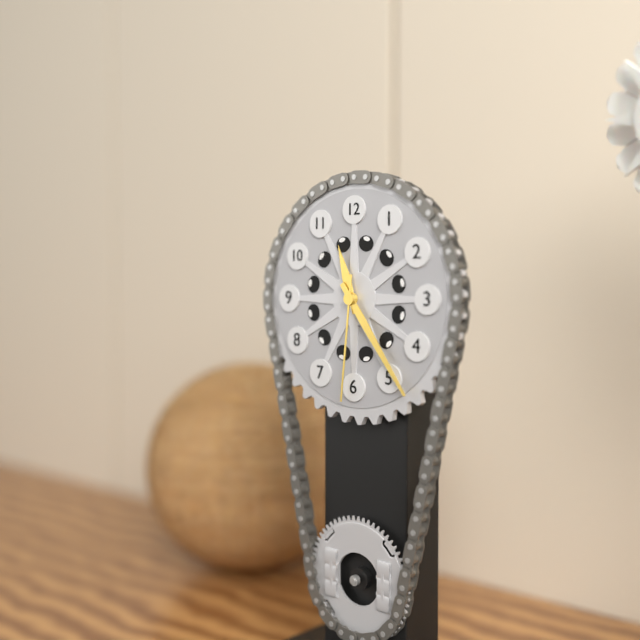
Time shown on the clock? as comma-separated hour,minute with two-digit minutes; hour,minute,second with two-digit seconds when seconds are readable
11,24,31
